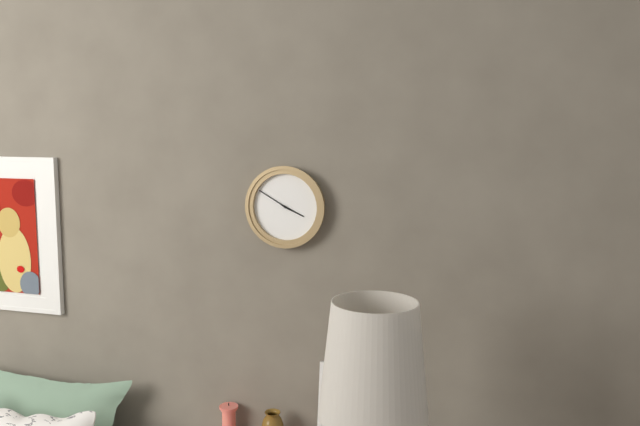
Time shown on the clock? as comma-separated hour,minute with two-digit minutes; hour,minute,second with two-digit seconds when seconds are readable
3,50
